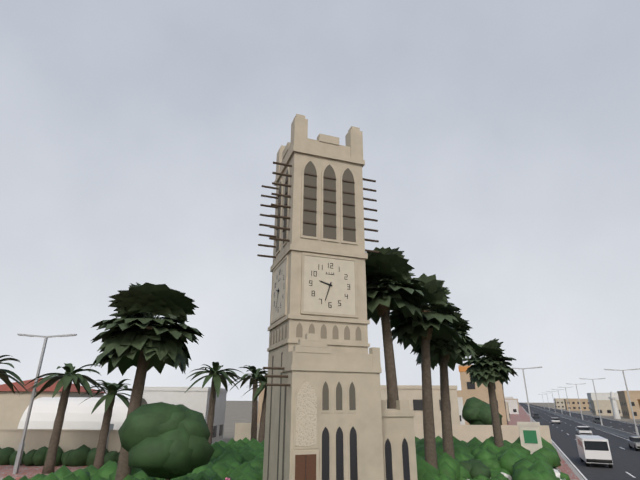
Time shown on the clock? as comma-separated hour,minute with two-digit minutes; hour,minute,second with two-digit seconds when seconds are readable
9,33
